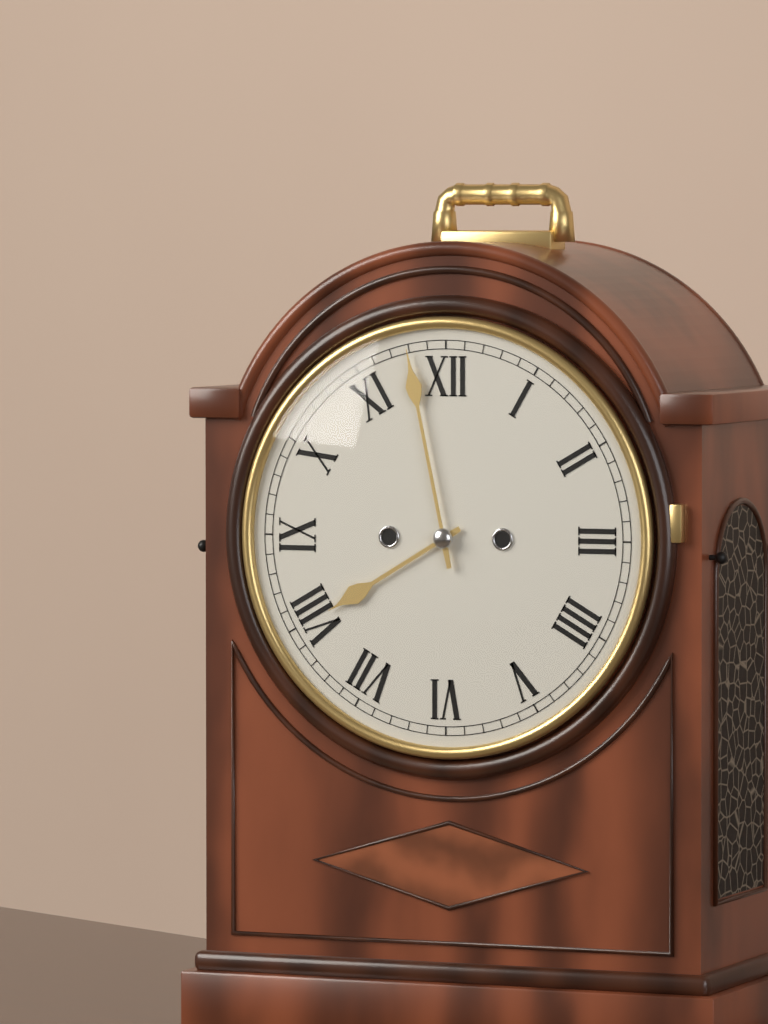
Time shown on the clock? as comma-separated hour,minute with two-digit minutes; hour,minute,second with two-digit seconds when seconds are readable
7,58
